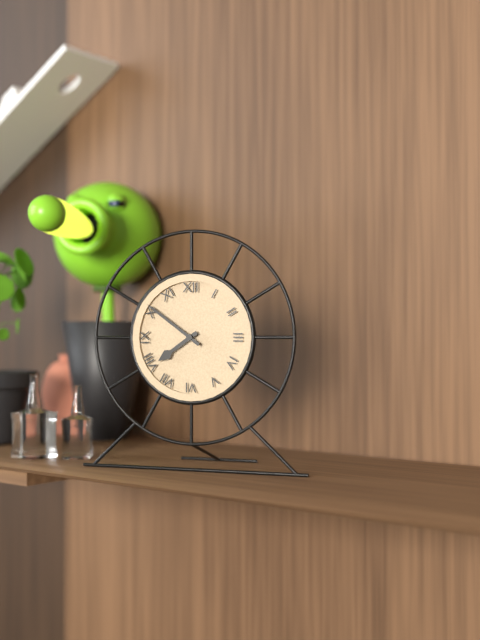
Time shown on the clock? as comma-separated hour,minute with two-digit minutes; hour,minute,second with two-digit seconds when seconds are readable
7,51
